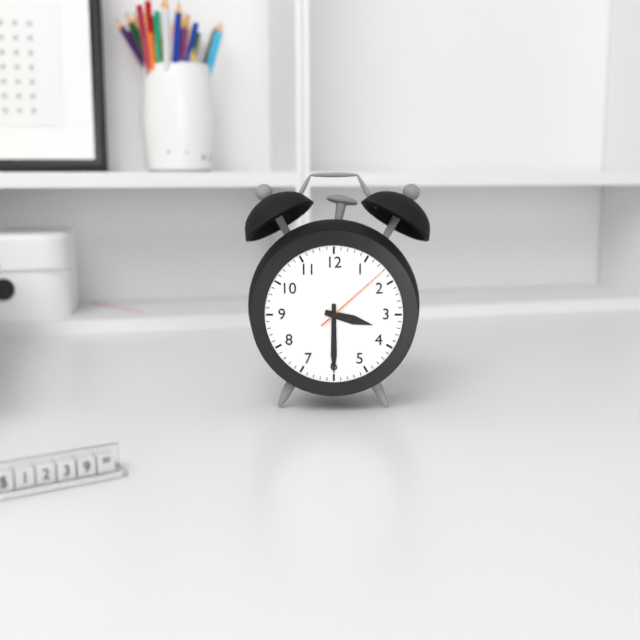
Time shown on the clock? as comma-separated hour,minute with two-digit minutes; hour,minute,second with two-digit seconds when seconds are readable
3,30,08
